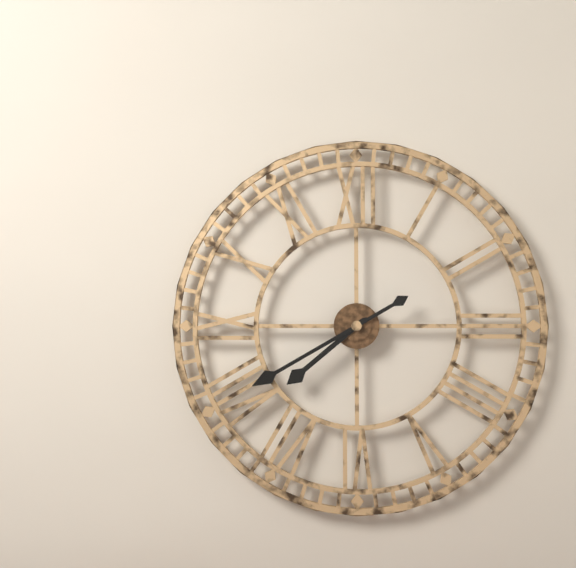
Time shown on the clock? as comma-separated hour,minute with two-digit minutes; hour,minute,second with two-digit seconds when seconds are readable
7,40
